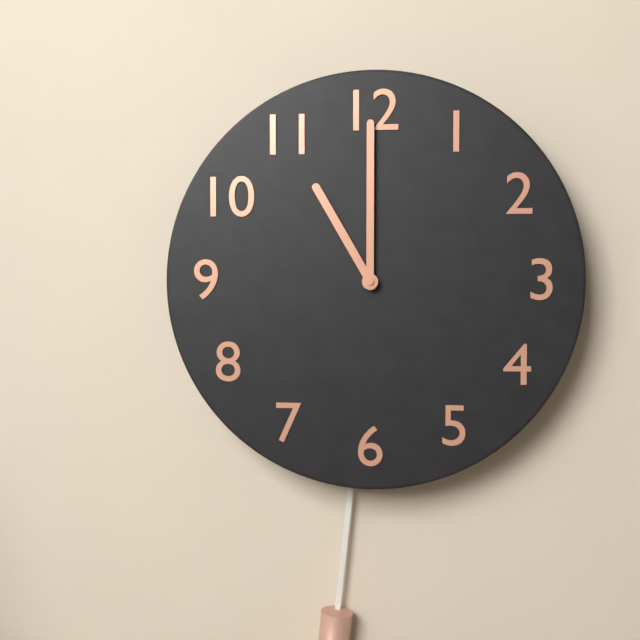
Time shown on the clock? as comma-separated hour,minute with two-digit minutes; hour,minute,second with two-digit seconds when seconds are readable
11,00
